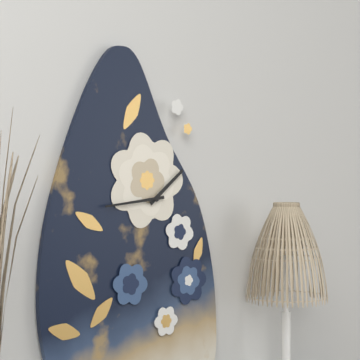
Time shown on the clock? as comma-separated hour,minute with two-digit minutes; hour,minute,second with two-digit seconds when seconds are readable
1,44
